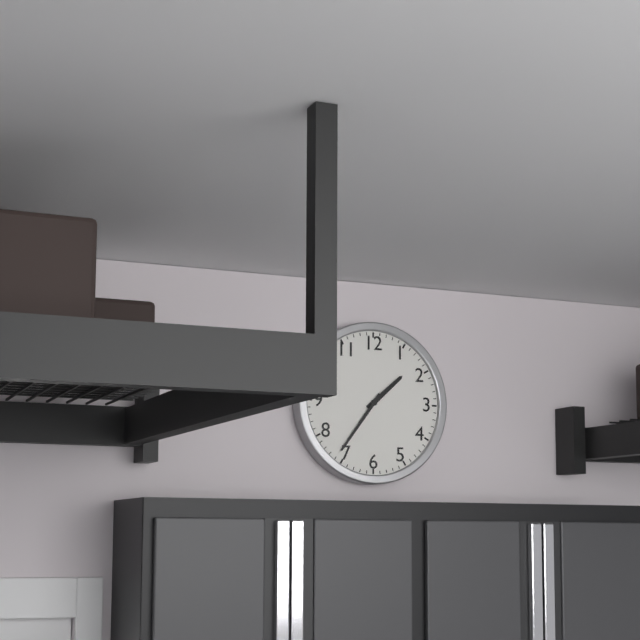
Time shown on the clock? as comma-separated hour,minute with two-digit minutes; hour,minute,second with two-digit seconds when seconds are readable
1,36
